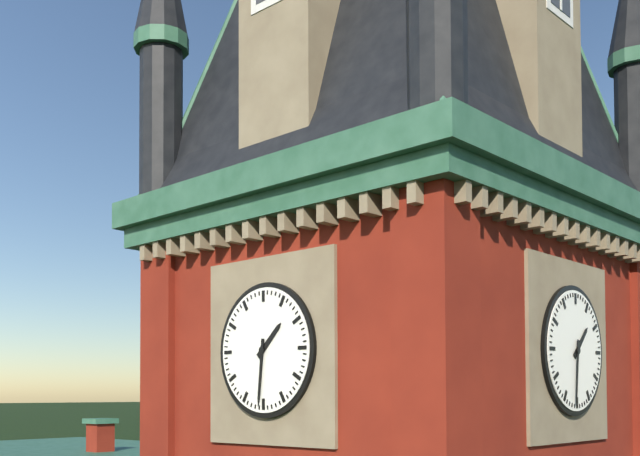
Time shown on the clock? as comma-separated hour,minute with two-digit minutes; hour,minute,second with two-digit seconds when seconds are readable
1,31
